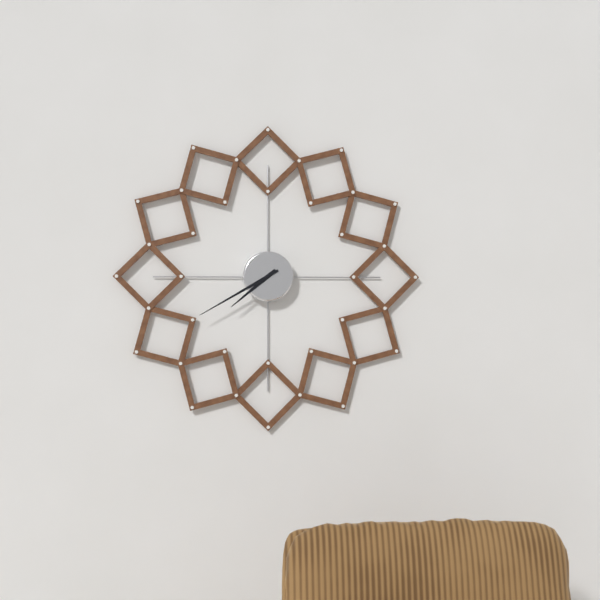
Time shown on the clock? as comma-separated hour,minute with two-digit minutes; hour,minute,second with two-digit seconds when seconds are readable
7,40
